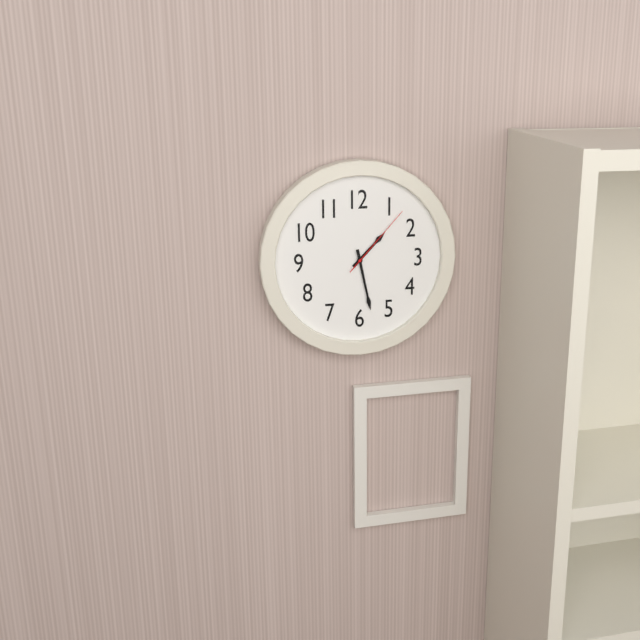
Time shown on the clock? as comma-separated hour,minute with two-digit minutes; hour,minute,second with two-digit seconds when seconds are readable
1,28,07
